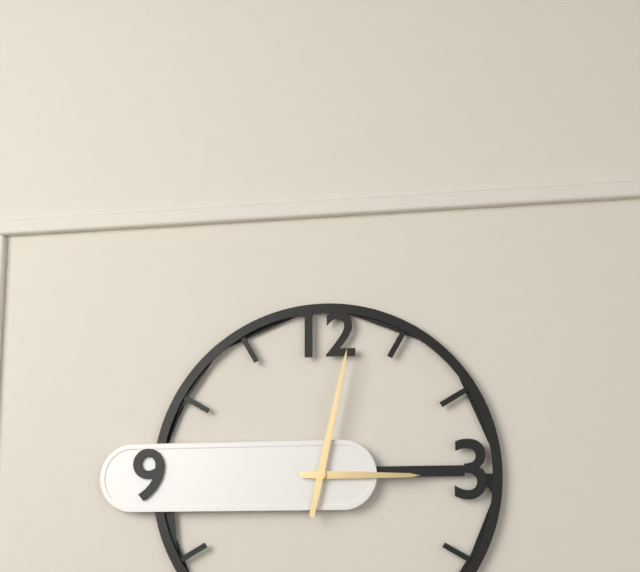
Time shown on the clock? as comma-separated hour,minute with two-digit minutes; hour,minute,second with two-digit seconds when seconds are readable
3,02
